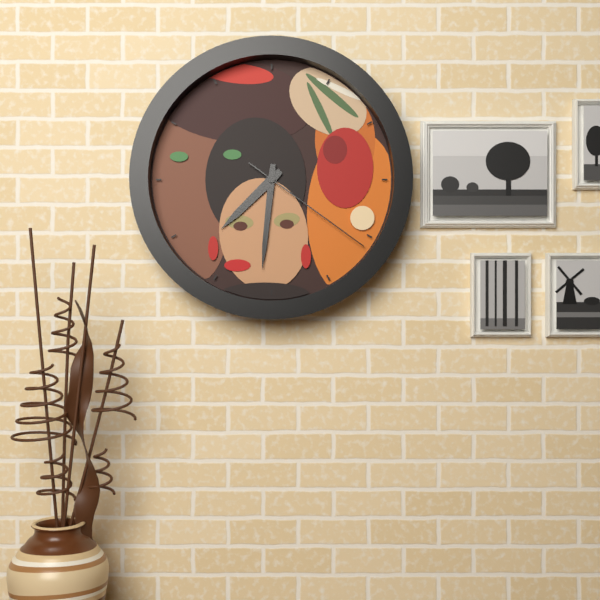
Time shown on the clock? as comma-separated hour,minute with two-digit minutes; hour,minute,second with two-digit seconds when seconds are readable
7,31,21
